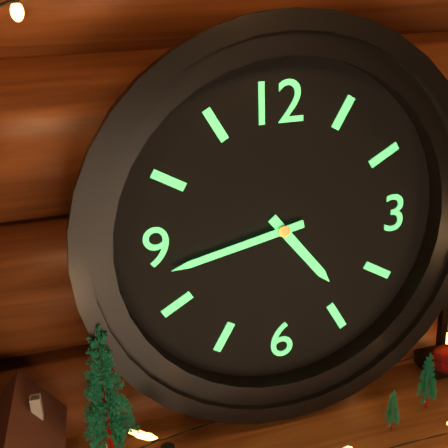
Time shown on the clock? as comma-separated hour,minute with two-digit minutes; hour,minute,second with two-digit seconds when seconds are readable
4,43
